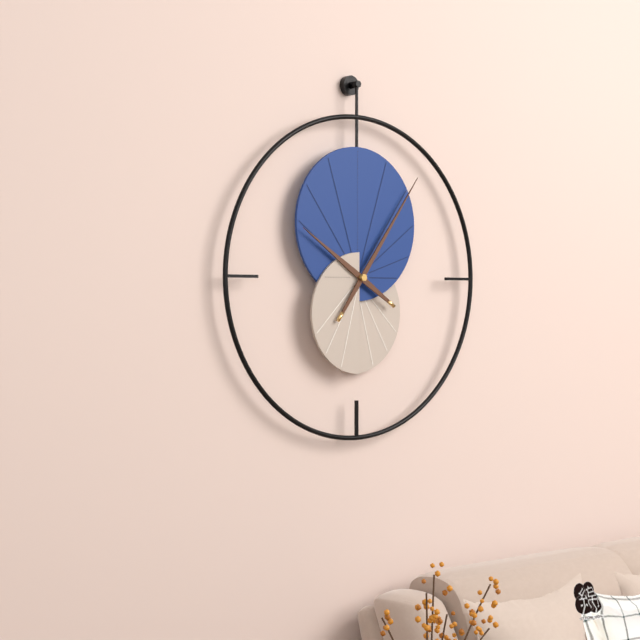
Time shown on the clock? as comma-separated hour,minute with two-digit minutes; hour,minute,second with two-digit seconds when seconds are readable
10,06
